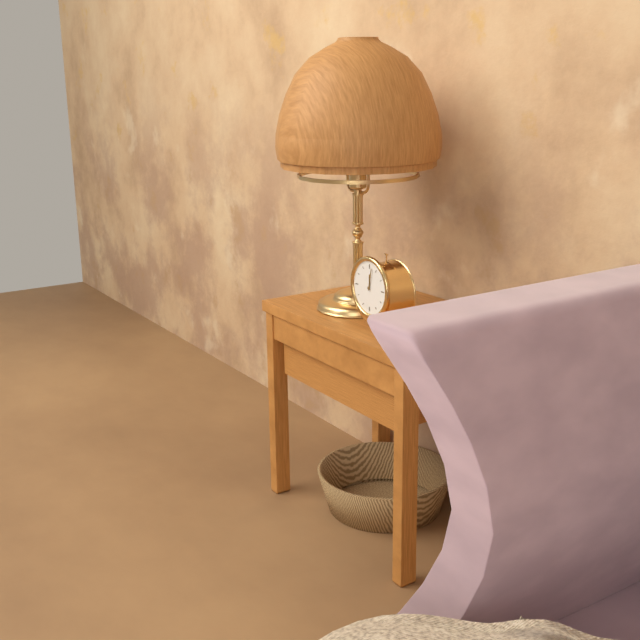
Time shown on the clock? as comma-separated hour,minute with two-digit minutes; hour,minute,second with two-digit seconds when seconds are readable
12,02
